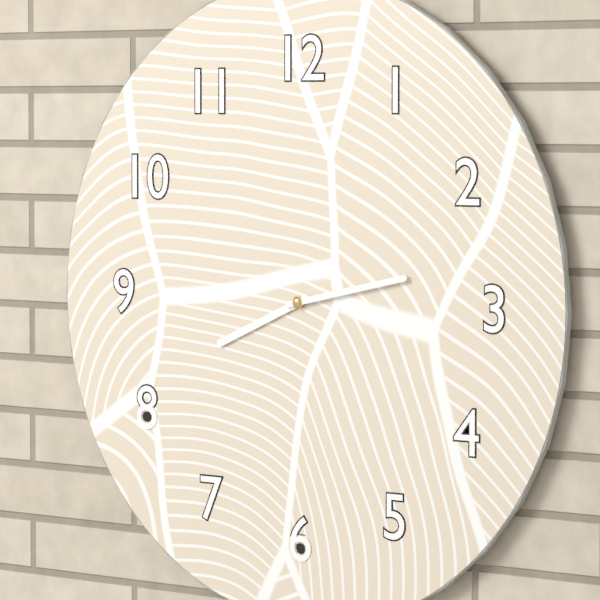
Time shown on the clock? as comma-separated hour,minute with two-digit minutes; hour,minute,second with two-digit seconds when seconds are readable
8,13
